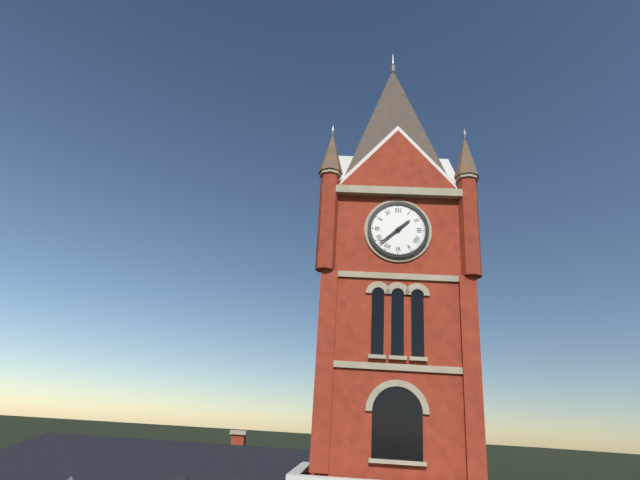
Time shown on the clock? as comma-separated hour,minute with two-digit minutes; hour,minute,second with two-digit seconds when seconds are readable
1,38
